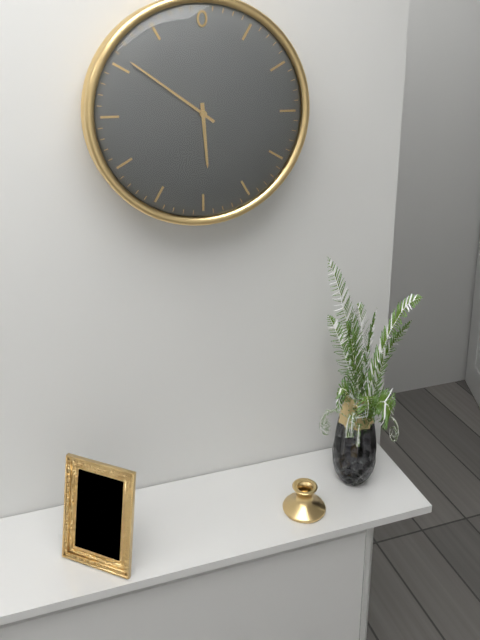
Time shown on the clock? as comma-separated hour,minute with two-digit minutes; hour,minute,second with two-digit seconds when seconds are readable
5,51
